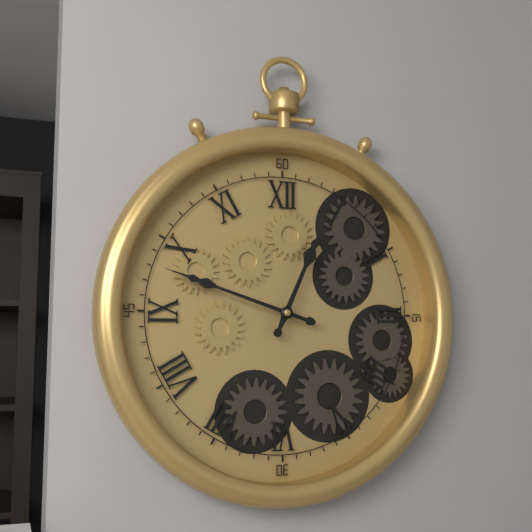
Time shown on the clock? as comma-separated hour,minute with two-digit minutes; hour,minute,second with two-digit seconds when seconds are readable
12,48
